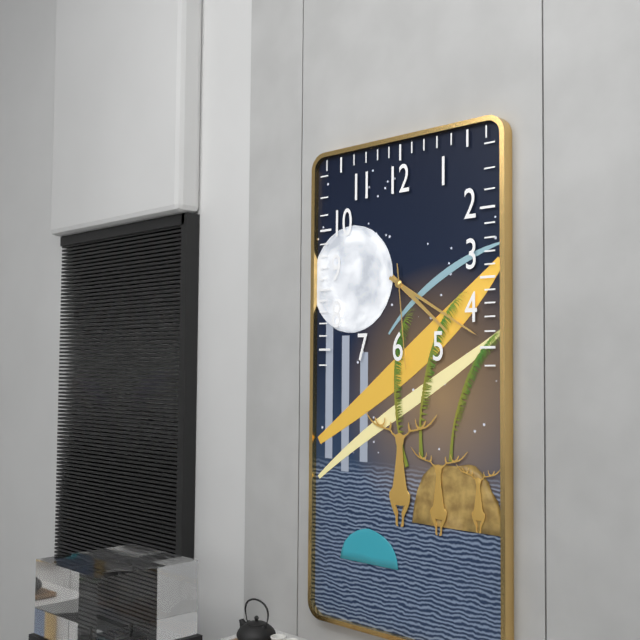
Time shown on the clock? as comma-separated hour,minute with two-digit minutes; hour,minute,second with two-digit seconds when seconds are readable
4,20,29
